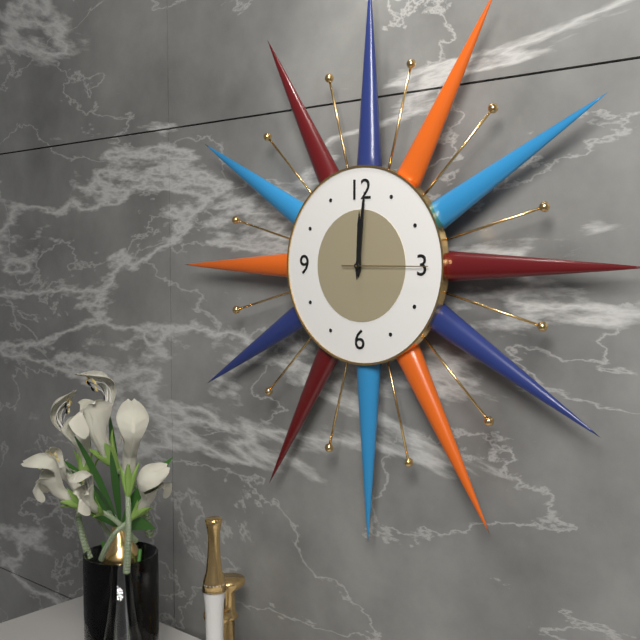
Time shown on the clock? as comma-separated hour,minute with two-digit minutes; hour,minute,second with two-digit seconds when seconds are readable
12,01,15
